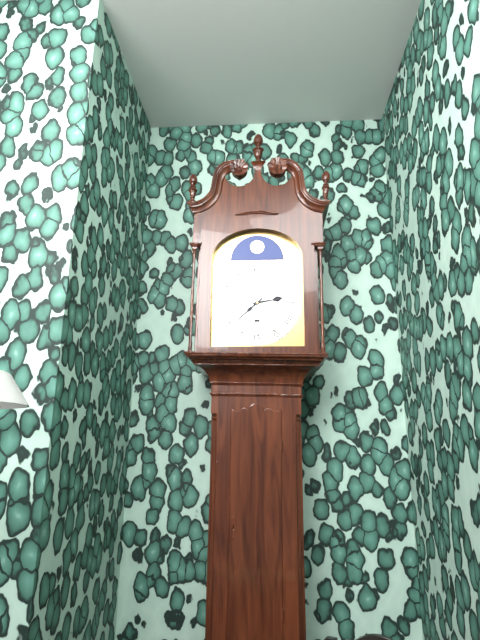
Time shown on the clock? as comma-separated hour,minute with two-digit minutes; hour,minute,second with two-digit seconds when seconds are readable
2,38
